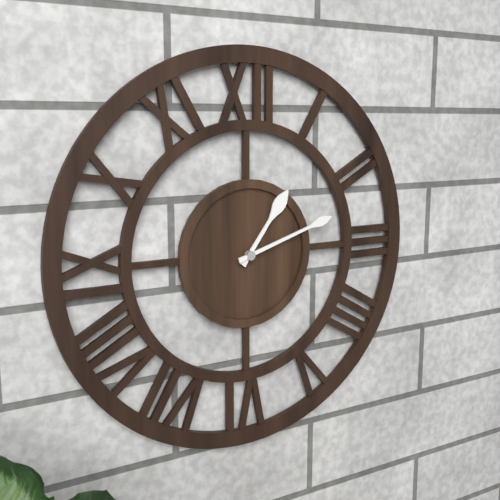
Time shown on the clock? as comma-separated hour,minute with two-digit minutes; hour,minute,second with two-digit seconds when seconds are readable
1,12
